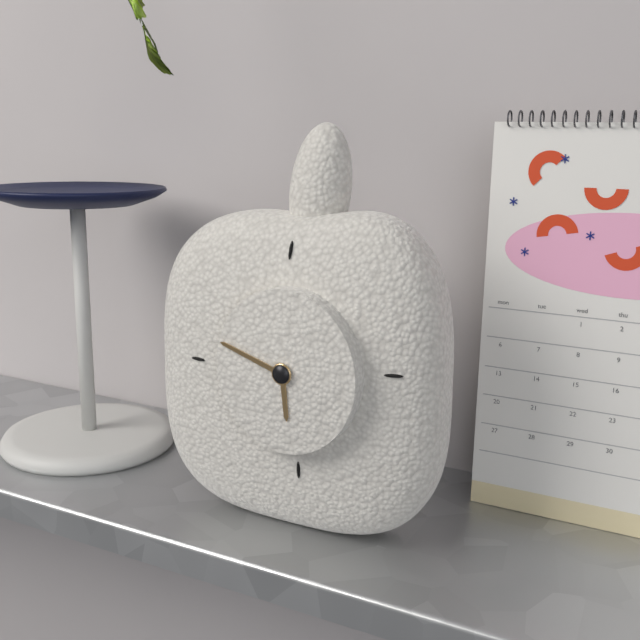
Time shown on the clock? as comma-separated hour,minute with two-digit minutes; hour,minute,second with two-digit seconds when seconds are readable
5,48
